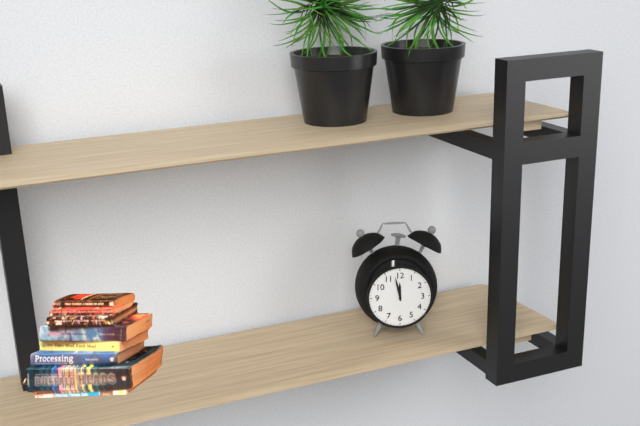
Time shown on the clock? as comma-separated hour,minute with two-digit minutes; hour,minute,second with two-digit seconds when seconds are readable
11,58
